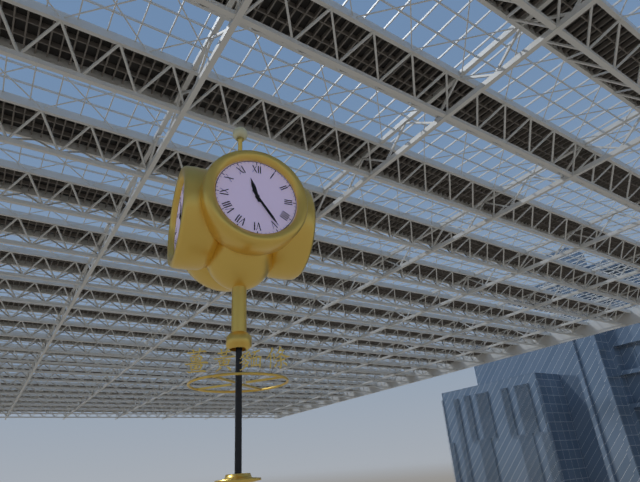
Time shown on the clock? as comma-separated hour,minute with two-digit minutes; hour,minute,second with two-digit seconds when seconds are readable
11,24
